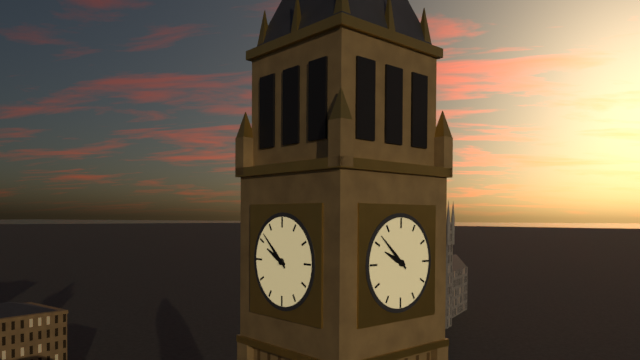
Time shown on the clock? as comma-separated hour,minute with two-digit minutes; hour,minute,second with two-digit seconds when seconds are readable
9,52
